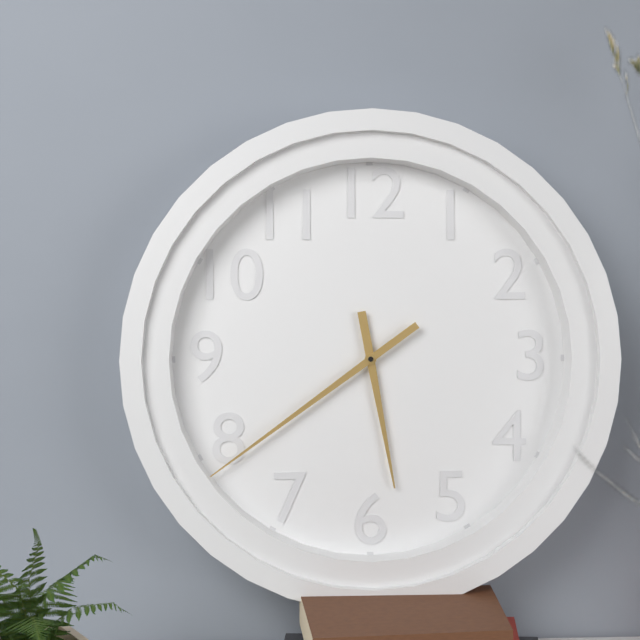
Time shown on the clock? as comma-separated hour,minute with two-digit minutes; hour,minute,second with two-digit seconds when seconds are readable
5,39
